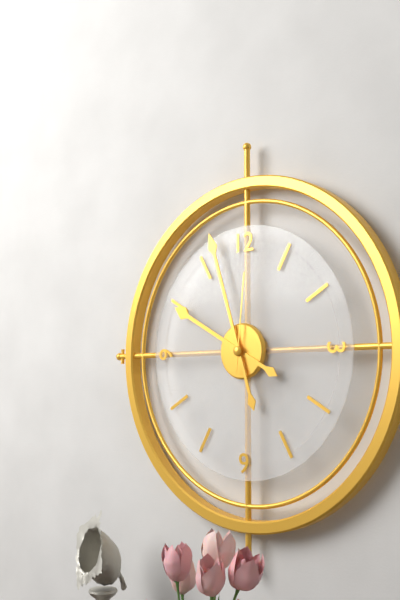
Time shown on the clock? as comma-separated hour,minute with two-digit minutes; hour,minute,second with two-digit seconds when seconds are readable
9,57,01
